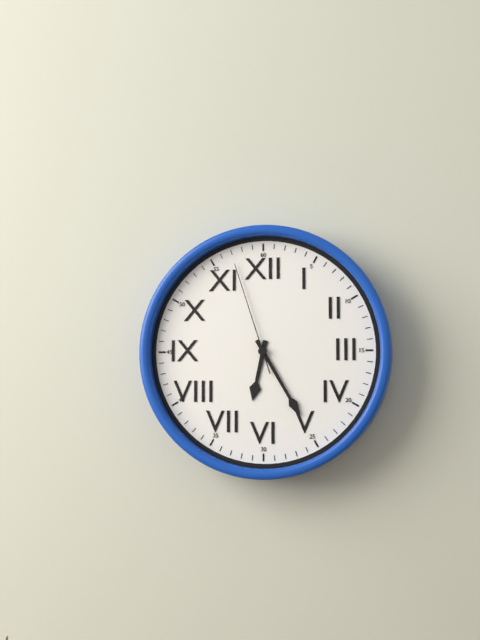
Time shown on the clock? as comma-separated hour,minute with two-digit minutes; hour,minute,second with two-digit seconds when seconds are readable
6,25,57
